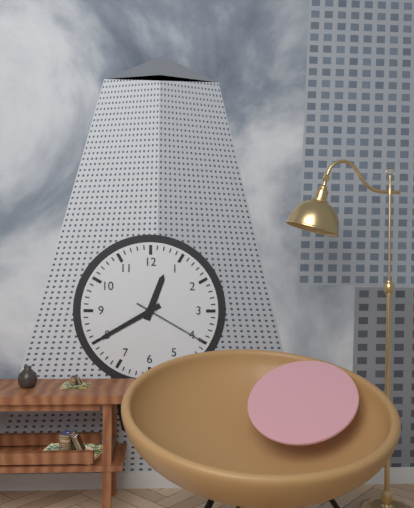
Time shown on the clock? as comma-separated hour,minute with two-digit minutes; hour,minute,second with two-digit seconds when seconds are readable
12,40,20
